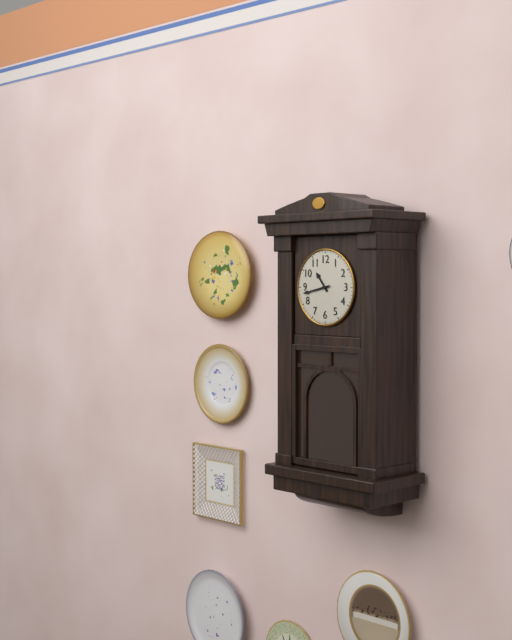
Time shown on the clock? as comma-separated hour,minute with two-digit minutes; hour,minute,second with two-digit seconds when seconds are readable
10,43
